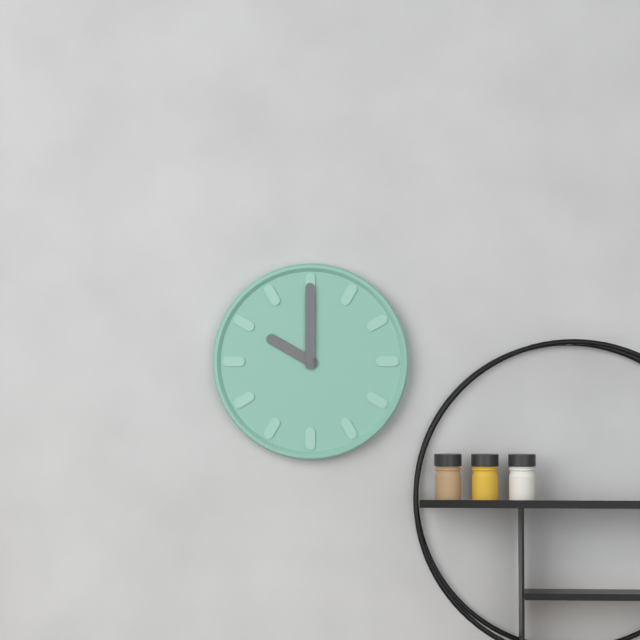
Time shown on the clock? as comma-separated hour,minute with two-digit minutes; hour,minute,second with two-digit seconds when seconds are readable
10,00
